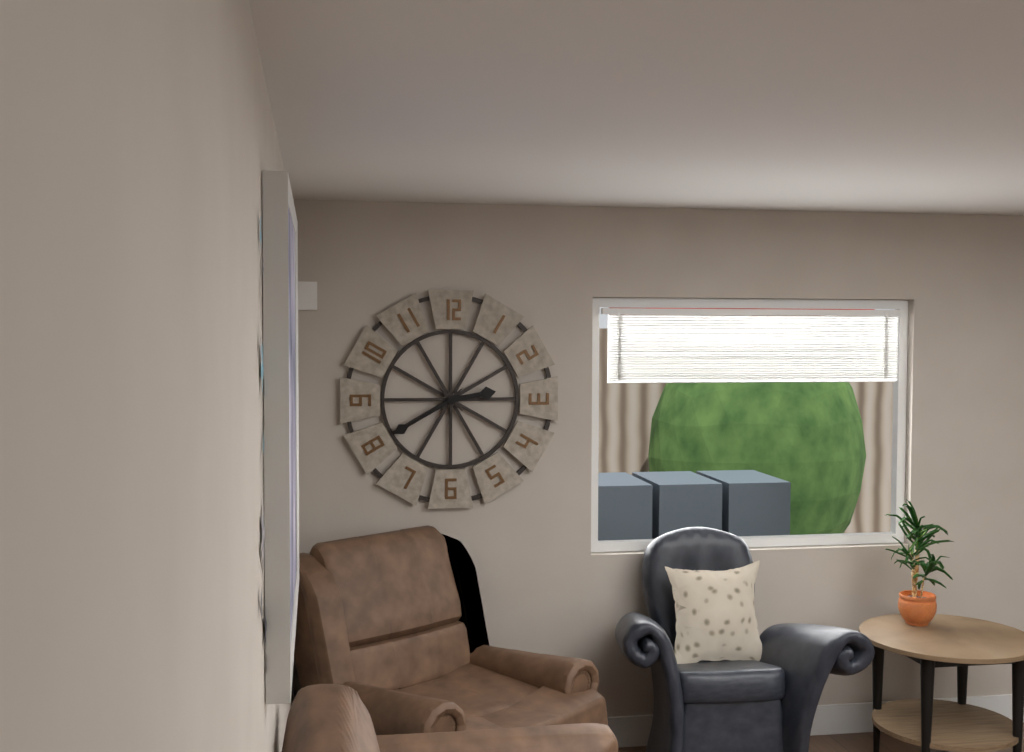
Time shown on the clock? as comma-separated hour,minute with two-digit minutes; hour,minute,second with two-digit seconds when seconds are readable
2,40
